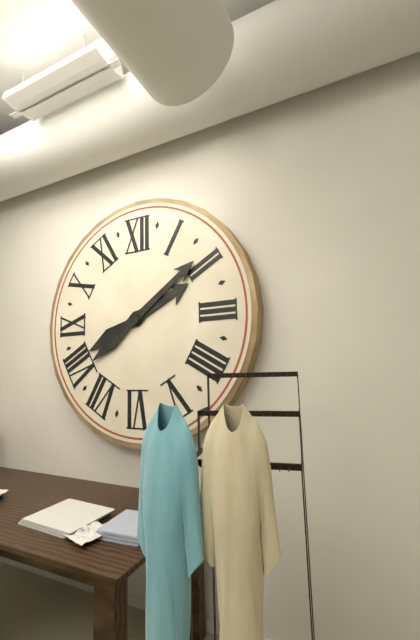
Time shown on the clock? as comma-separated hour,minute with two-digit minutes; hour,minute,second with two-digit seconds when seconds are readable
2,09
